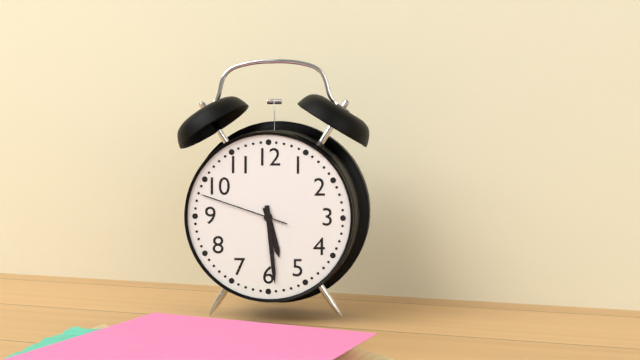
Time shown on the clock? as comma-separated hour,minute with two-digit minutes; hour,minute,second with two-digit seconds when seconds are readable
5,29,48
